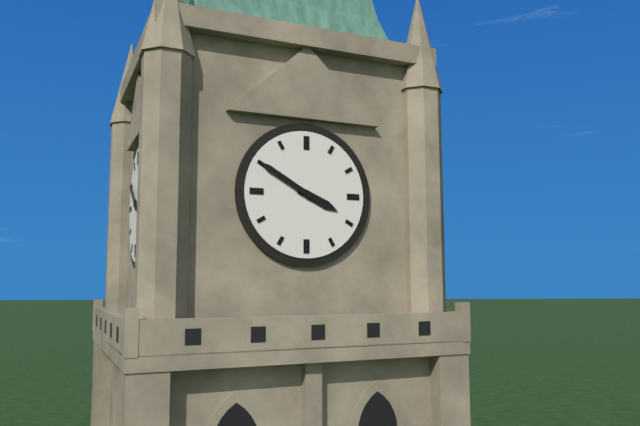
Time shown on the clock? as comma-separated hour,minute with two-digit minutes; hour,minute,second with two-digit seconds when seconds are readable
3,50
